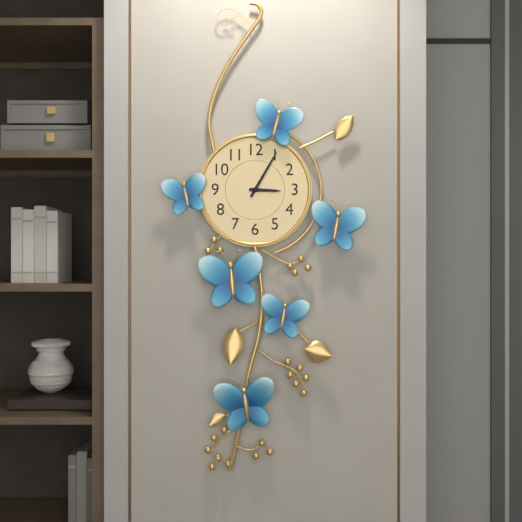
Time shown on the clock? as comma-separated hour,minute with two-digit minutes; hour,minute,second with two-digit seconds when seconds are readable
3,05
